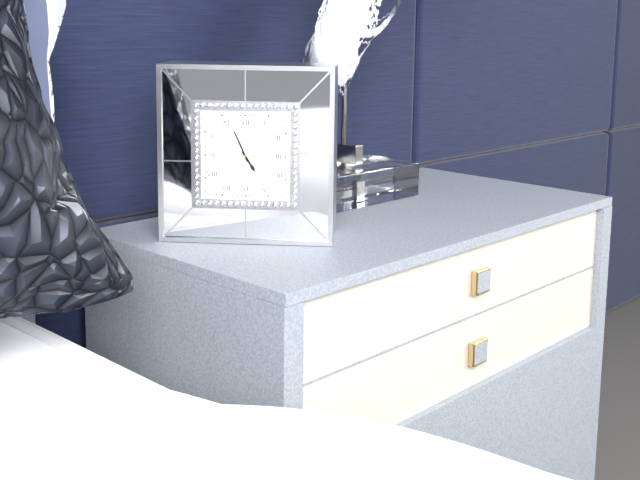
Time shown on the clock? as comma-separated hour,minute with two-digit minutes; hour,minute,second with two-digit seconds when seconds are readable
4,56
